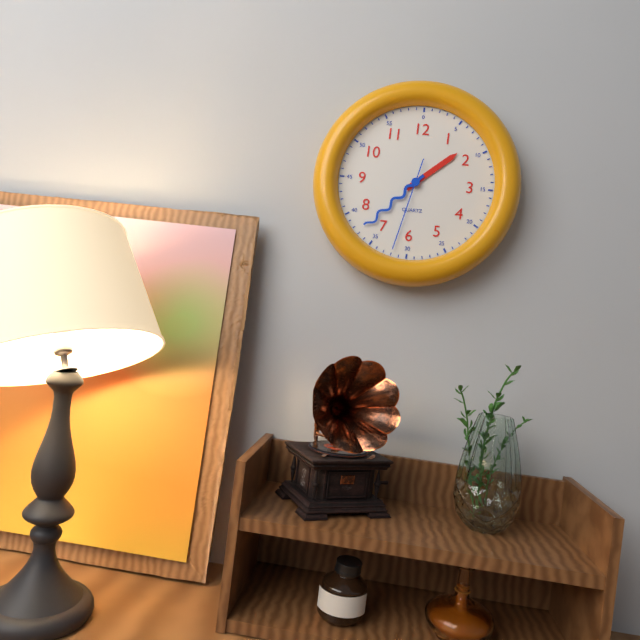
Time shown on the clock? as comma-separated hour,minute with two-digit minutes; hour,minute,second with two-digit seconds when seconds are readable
1,37,32
